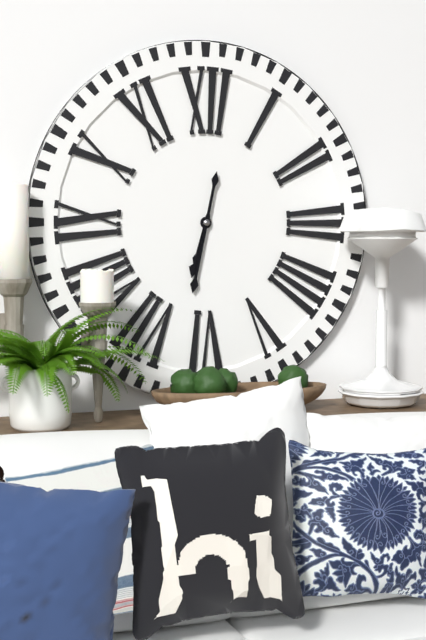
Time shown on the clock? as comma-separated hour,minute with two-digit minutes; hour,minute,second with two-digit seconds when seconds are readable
6,32
